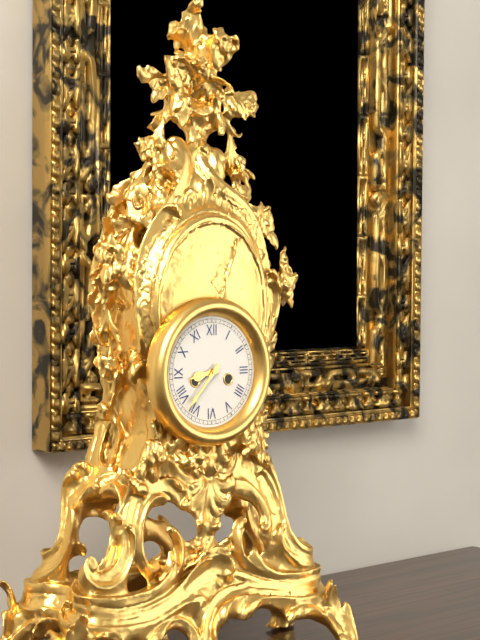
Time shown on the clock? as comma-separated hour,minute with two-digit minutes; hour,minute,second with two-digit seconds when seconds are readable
8,37
